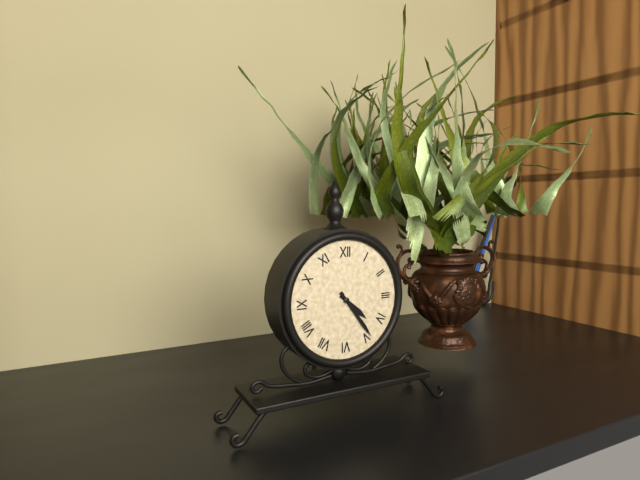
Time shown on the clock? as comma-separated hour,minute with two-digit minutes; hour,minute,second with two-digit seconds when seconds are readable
4,24
